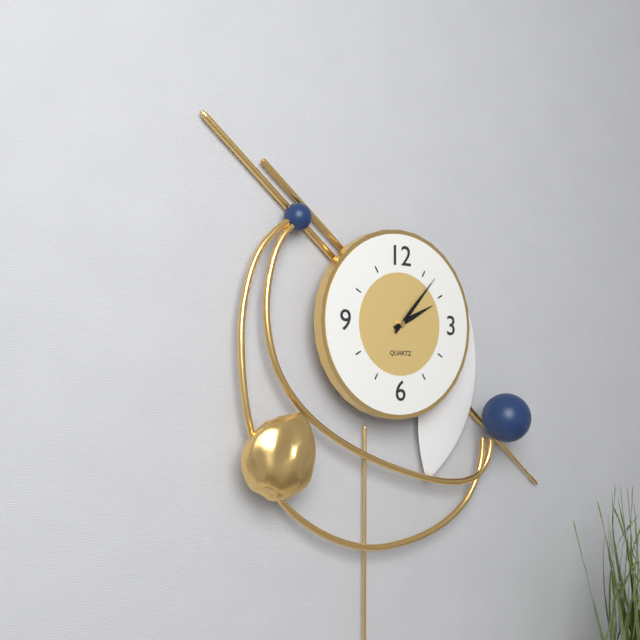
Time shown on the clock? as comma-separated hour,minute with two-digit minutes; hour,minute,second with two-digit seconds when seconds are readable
2,07
